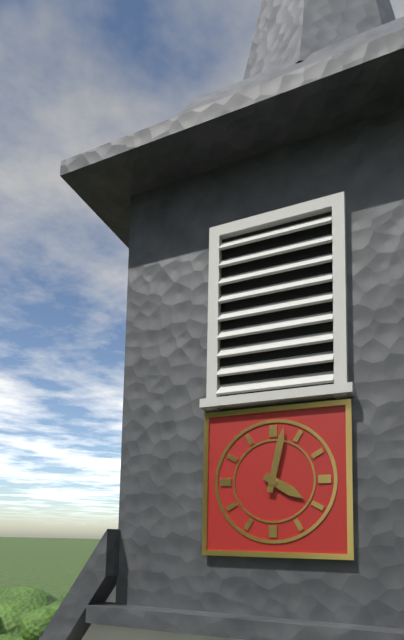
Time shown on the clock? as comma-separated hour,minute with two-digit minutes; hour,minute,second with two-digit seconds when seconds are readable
4,02
